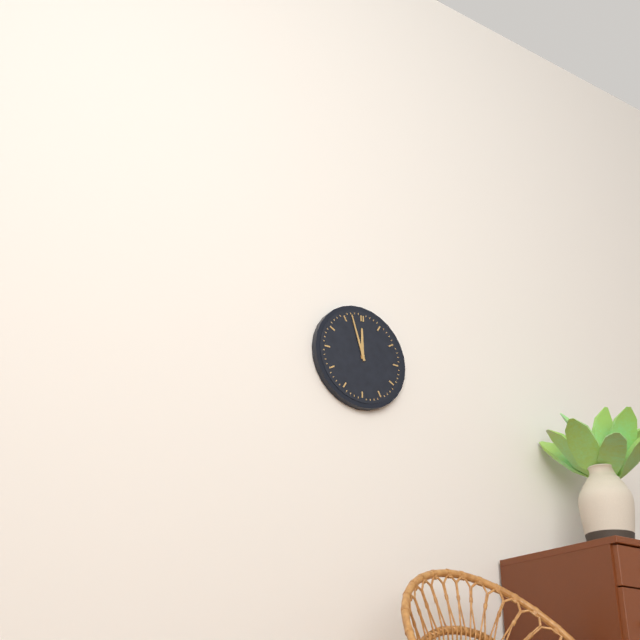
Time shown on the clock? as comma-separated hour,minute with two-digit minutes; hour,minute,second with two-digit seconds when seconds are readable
11,57
